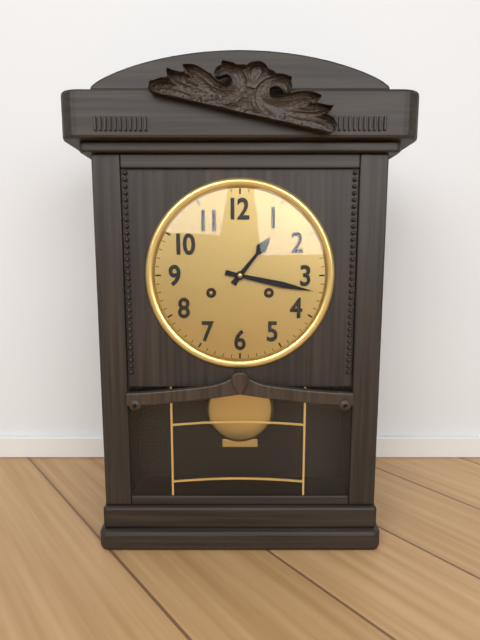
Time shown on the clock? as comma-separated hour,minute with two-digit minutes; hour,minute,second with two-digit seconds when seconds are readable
1,17
